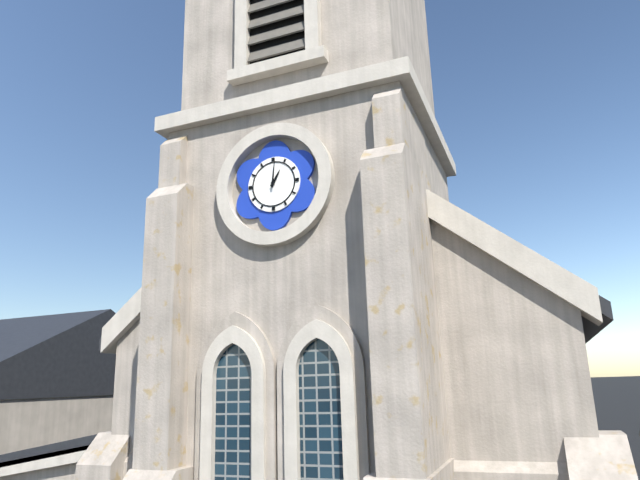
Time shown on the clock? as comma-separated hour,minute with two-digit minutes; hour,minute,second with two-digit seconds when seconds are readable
1,01
